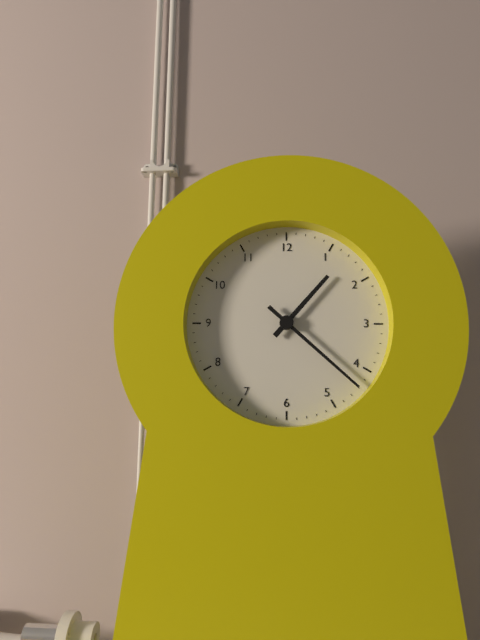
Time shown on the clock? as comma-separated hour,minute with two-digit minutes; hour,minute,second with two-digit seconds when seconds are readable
1,22
